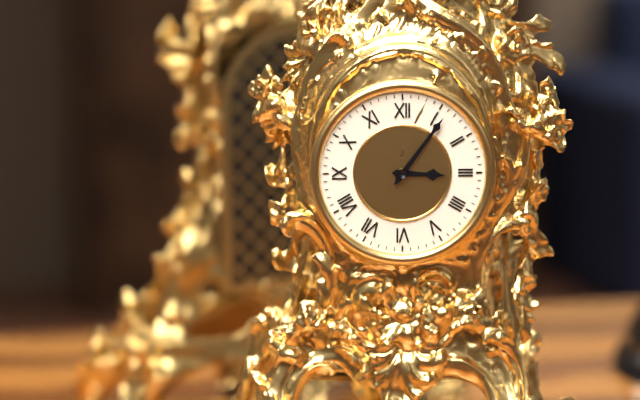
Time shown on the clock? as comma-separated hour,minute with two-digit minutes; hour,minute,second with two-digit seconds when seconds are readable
3,06
